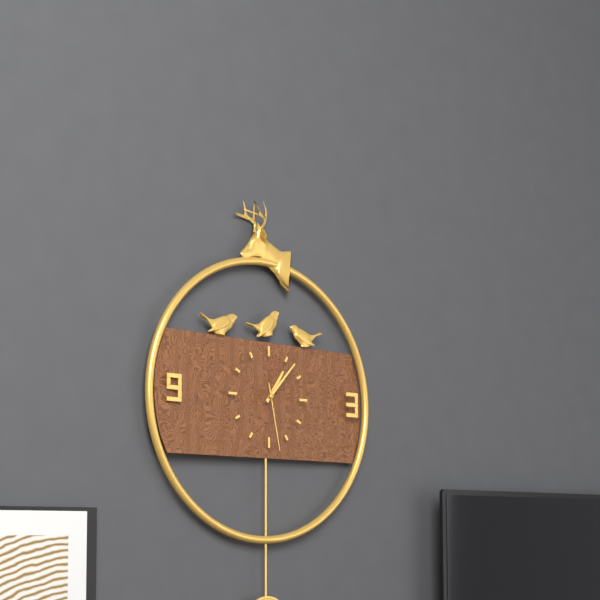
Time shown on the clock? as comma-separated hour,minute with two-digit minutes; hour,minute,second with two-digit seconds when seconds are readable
1,07,28
